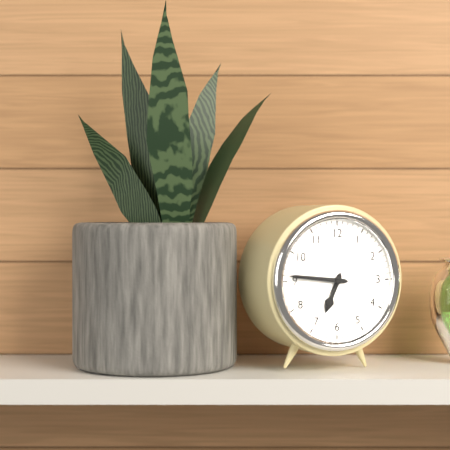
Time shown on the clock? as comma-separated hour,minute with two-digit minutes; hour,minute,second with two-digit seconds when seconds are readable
6,46
